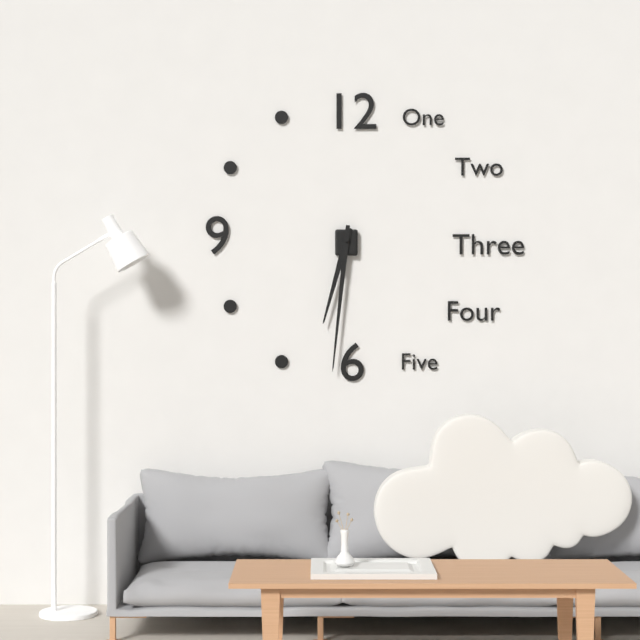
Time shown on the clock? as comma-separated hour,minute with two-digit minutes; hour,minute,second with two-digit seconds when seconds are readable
6,31
